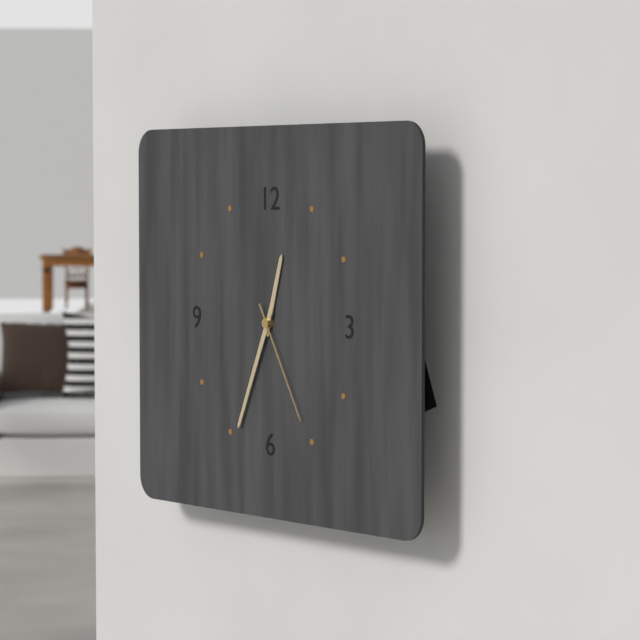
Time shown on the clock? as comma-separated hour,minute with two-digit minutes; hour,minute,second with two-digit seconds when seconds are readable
12,34,25
